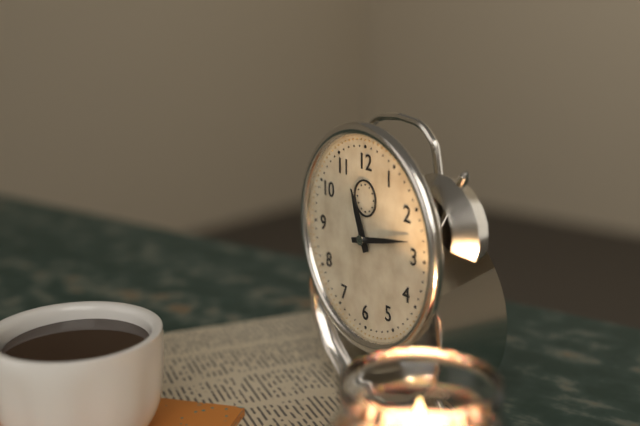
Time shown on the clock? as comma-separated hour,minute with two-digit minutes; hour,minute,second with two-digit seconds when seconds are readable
11,13
